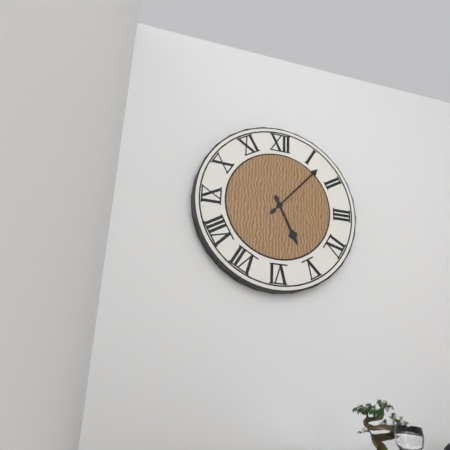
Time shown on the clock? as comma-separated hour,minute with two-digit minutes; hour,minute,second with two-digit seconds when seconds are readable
5,07
